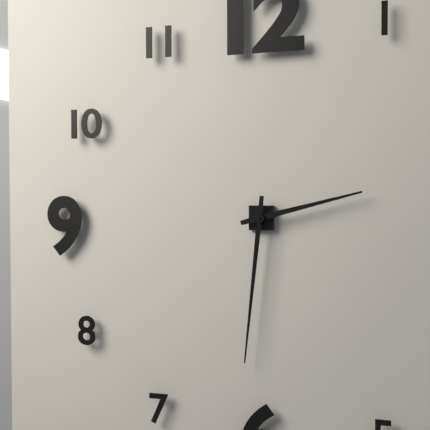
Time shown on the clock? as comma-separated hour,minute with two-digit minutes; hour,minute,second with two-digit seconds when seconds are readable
2,31
